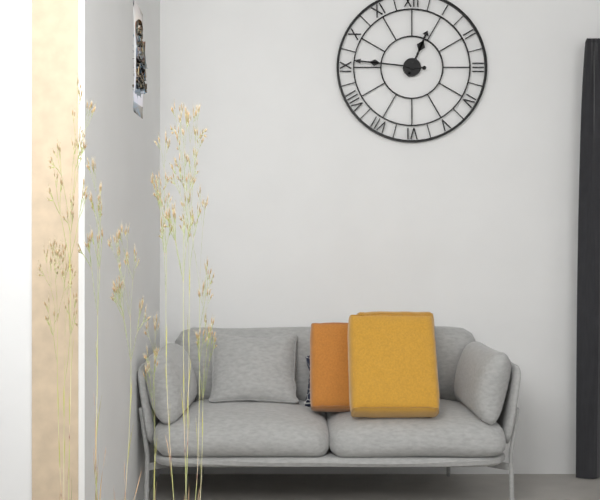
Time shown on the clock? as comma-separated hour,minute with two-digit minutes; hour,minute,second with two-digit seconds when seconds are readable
12,46
